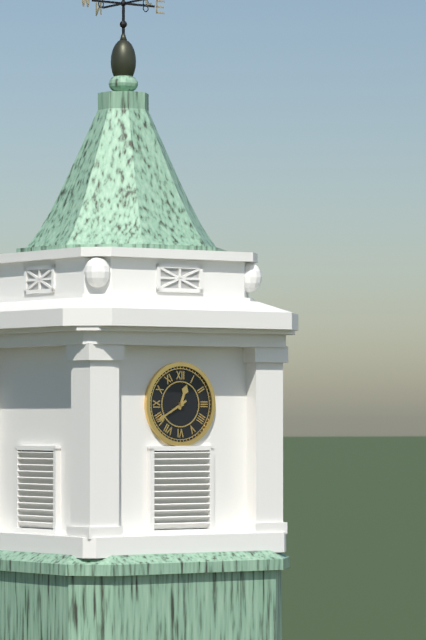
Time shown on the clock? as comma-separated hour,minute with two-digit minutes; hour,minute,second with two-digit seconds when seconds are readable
12,40
